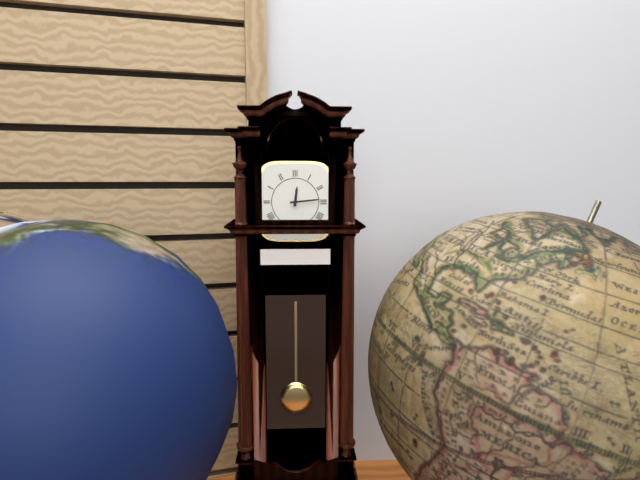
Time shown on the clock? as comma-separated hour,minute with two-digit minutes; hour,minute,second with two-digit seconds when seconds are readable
12,14
